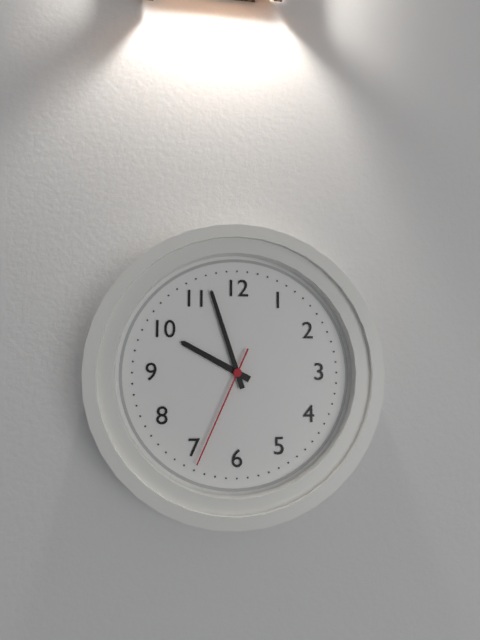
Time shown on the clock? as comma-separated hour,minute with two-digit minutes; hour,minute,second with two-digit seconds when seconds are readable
9,57,34
